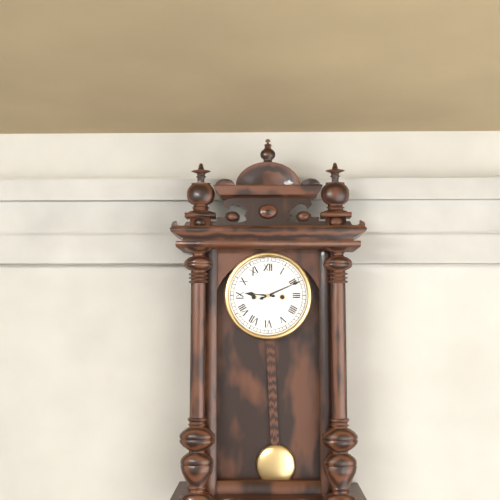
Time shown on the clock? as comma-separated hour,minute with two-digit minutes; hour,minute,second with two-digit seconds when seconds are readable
9,11
